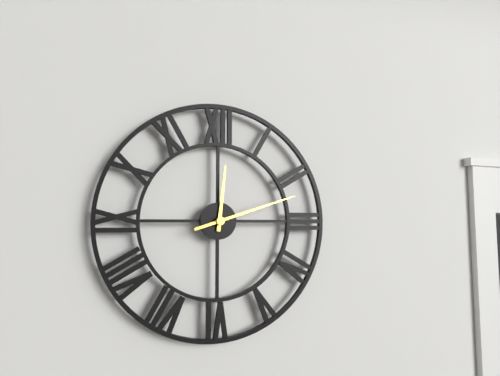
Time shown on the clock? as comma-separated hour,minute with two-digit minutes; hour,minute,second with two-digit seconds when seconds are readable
12,12
